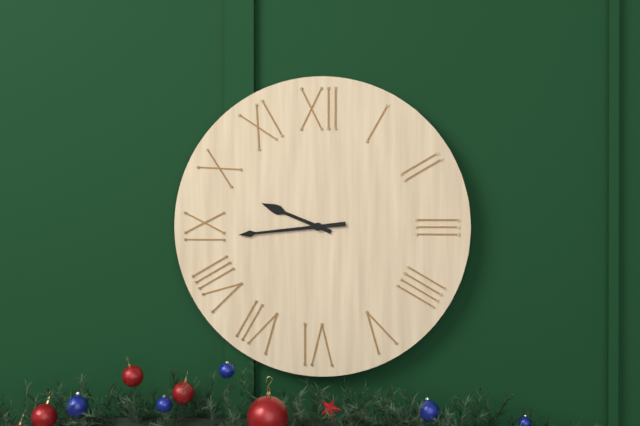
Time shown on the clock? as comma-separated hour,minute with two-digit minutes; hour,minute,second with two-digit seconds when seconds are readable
9,44
